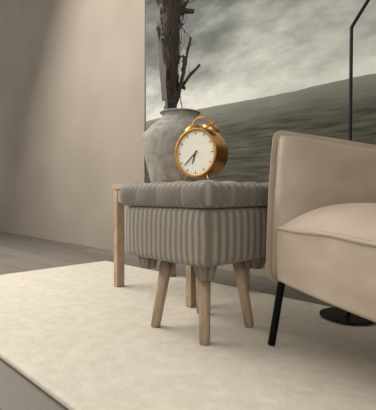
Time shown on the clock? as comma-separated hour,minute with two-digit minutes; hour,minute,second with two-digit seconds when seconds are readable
6,38
